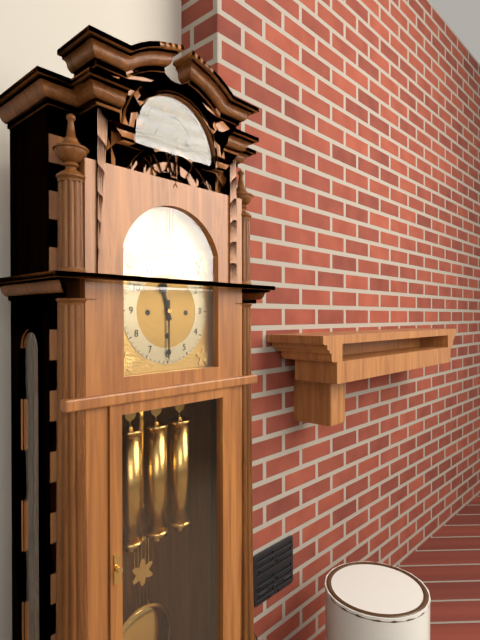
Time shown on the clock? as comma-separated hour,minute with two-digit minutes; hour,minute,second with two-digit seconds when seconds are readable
11,30
